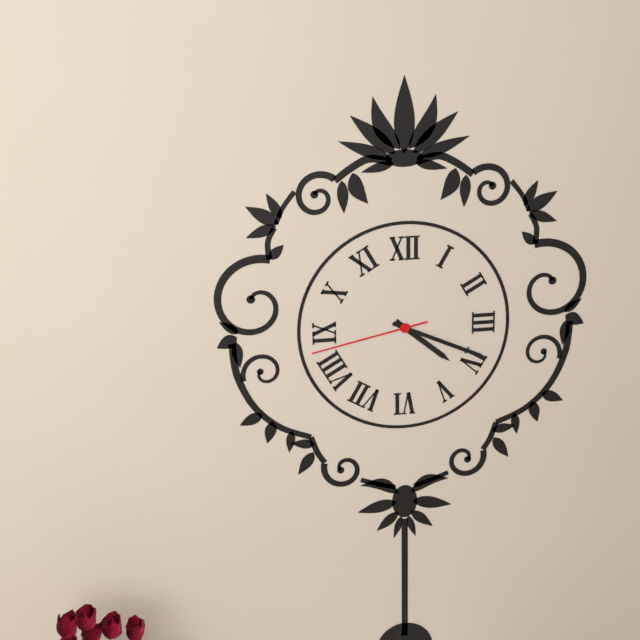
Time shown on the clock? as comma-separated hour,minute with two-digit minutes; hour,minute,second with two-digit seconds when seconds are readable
4,19,43
